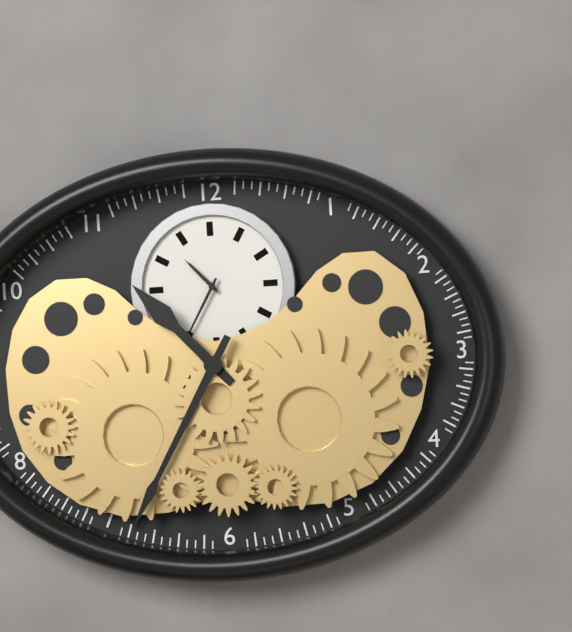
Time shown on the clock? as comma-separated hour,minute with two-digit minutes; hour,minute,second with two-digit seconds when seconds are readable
10,35
